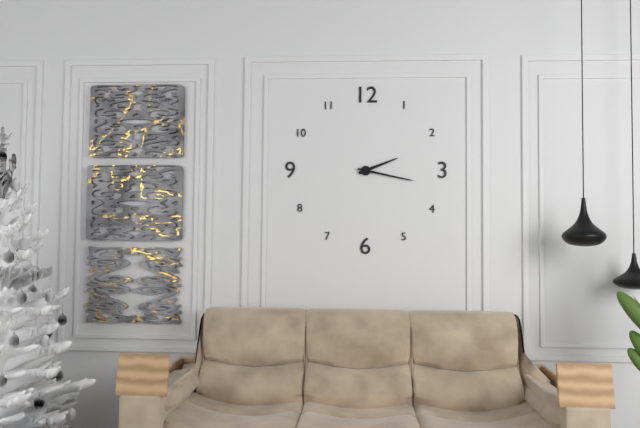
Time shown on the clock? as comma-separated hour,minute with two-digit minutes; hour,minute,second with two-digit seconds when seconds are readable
2,17
